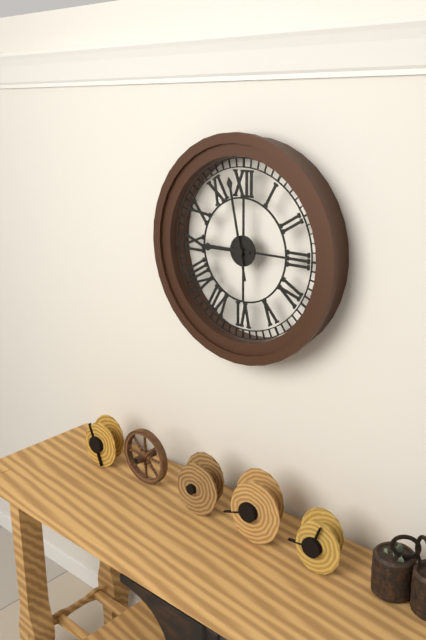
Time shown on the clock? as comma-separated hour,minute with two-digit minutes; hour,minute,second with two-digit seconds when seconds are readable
8,58
